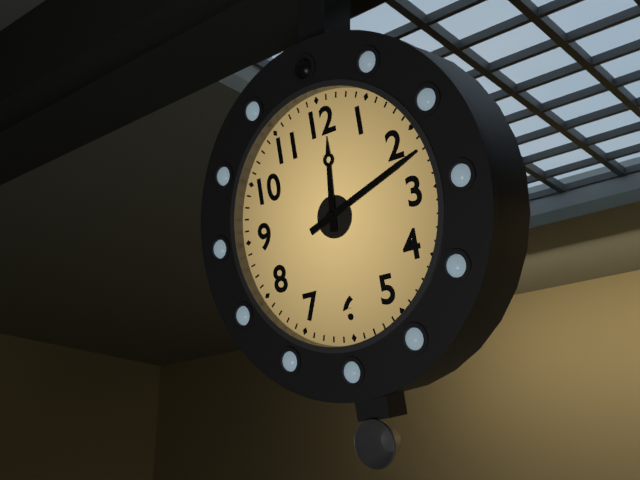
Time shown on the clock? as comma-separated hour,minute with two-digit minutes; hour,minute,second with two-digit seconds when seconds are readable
12,12
